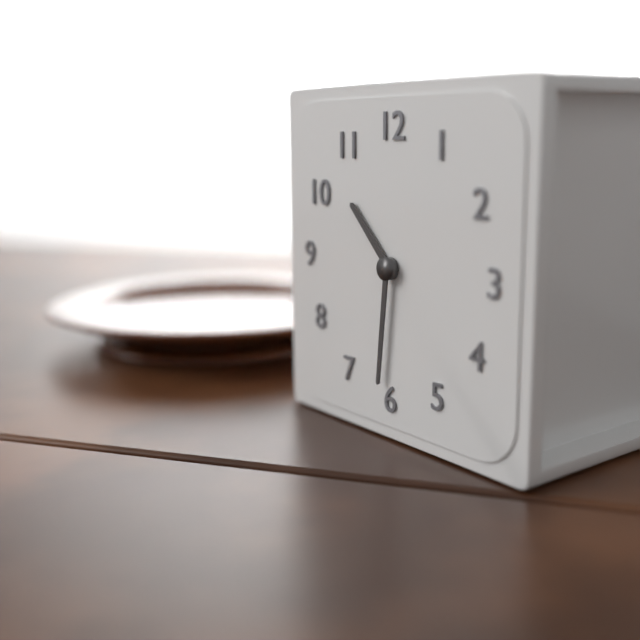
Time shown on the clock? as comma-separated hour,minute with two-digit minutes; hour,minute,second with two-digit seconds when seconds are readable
10,31
